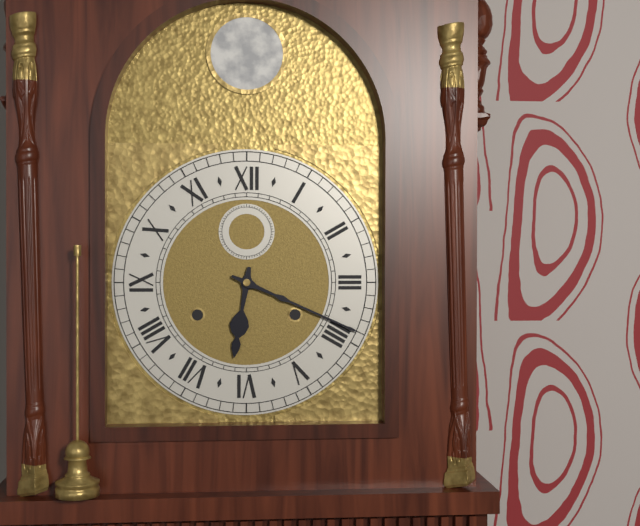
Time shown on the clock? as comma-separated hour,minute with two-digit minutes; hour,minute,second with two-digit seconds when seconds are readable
6,19
